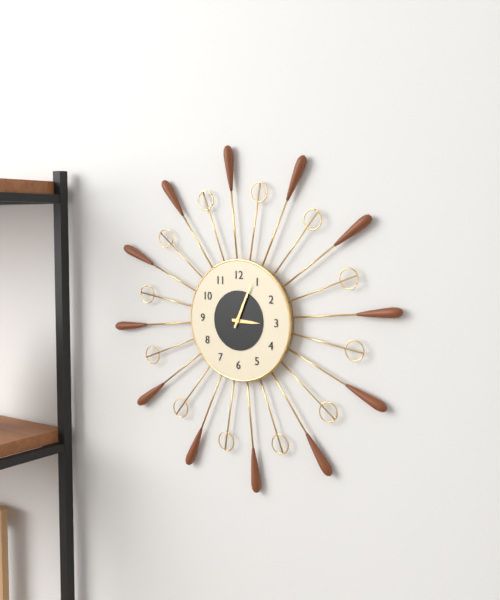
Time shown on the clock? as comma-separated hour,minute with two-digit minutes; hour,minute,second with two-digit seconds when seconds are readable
3,04
